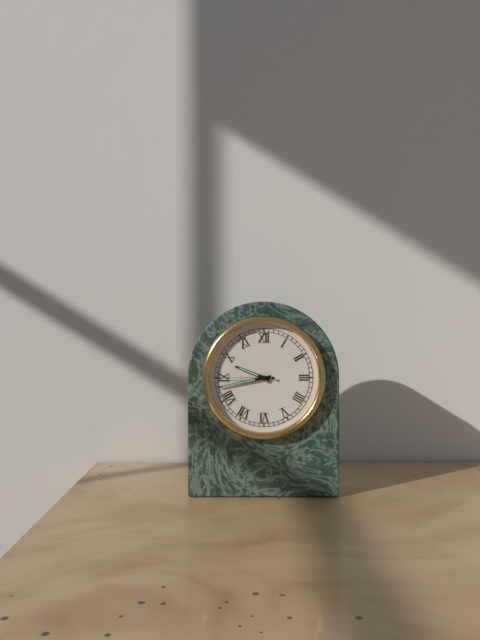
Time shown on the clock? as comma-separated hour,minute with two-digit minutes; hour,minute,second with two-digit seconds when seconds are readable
9,43,45
